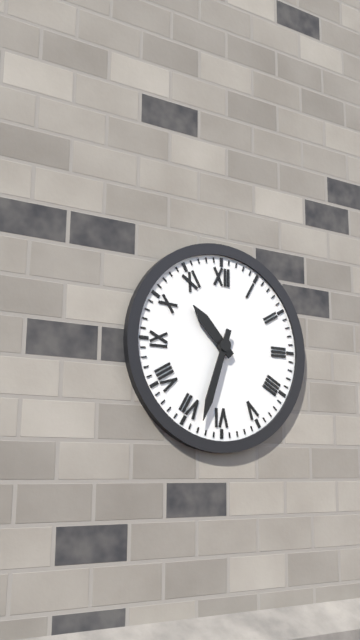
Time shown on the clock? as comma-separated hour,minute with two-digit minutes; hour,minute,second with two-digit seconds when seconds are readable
10,33
